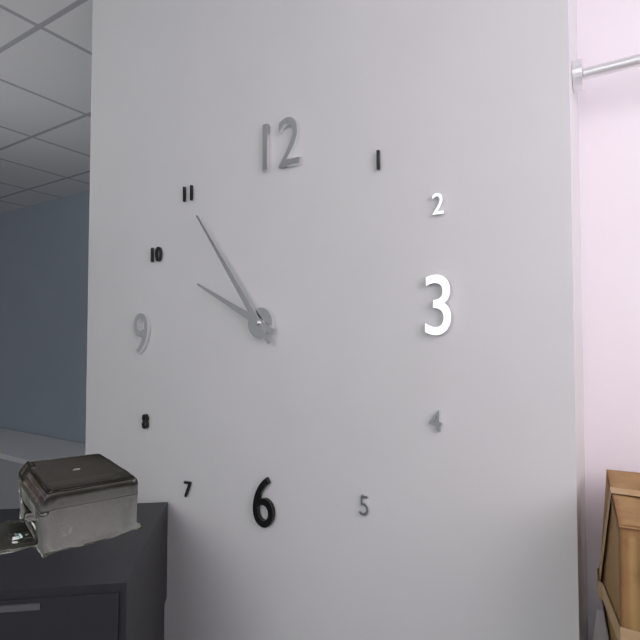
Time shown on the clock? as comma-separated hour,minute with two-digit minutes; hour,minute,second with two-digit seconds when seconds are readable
9,54
